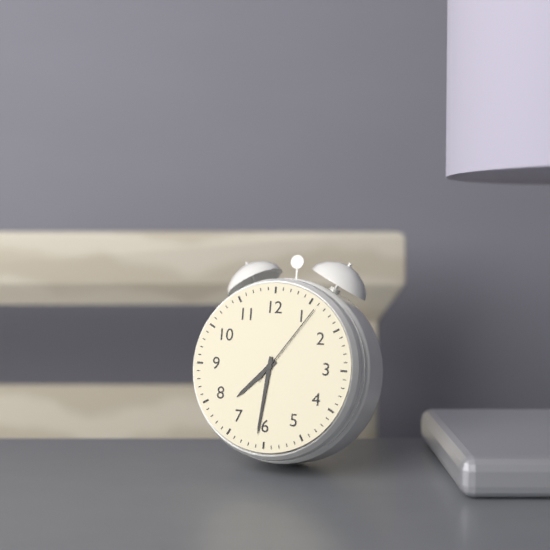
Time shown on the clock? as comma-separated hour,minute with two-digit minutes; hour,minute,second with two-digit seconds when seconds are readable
7,31,06
